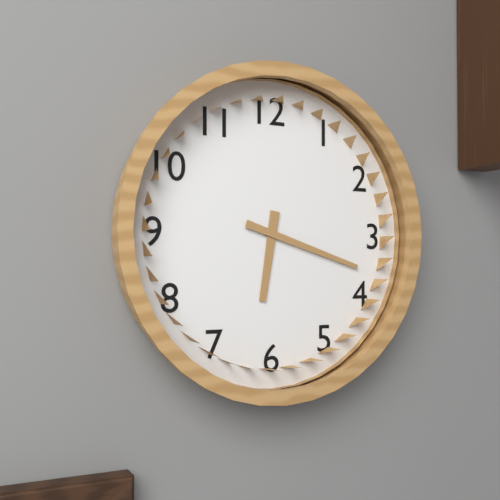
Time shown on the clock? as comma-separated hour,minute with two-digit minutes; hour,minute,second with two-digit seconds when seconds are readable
6,18
